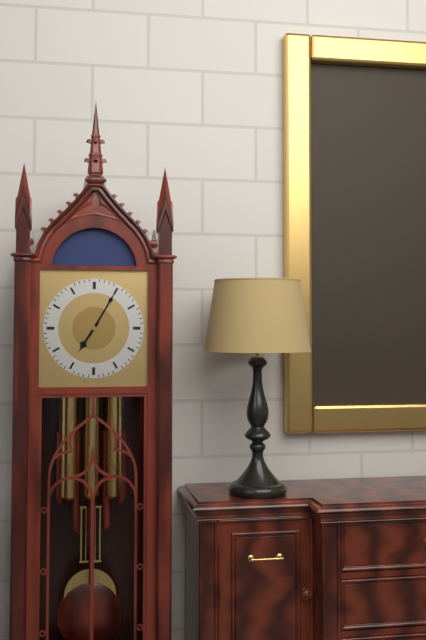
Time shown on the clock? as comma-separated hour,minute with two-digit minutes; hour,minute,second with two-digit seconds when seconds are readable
7,05
